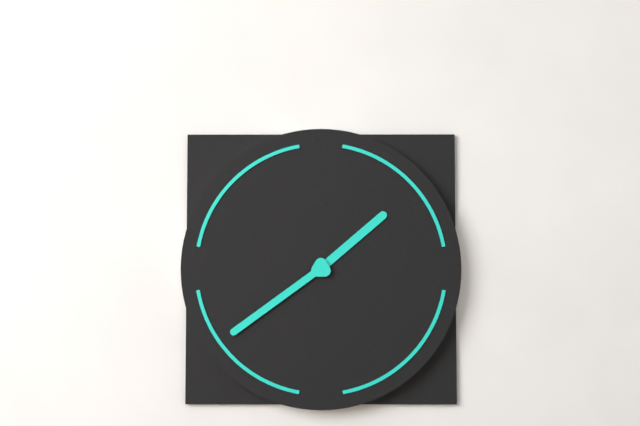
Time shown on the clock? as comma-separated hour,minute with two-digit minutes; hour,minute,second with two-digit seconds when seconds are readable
1,39
